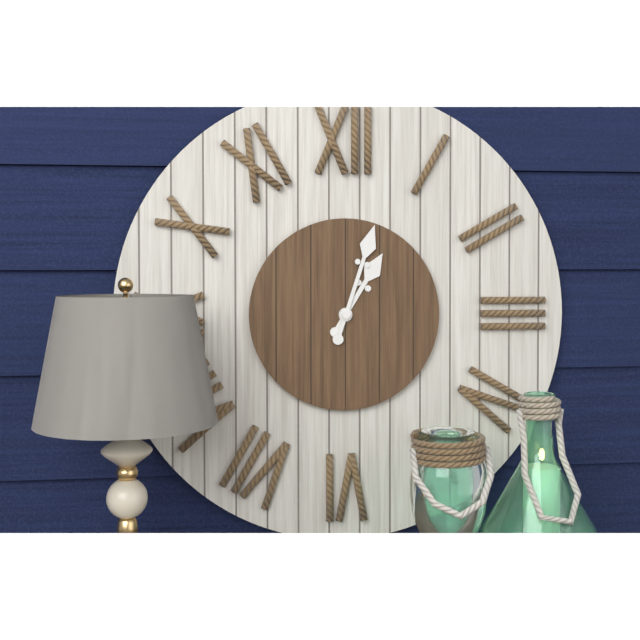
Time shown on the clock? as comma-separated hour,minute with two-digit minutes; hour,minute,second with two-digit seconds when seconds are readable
1,03
